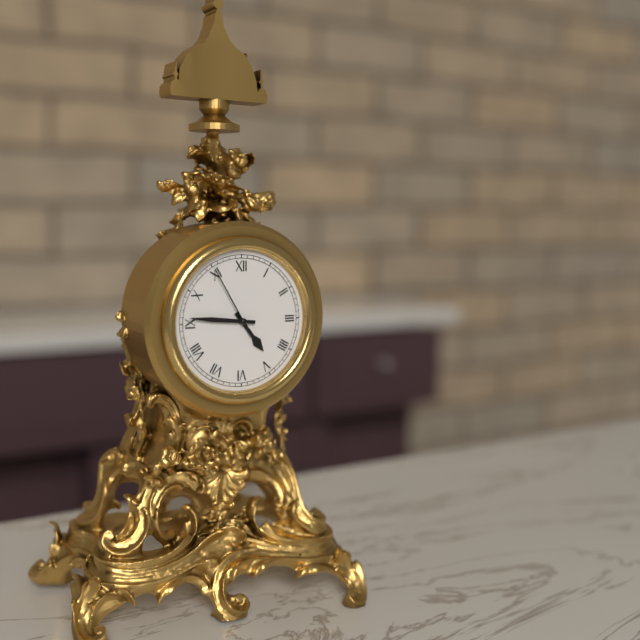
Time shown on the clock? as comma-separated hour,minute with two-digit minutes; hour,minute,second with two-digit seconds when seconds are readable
4,46,55
